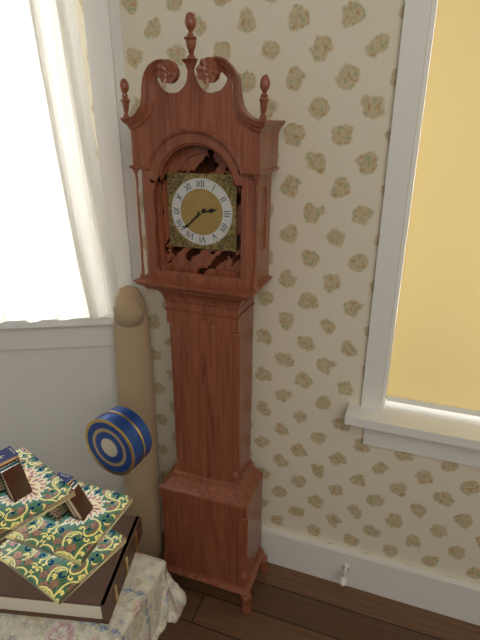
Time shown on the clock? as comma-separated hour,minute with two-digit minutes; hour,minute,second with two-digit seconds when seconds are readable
2,38
